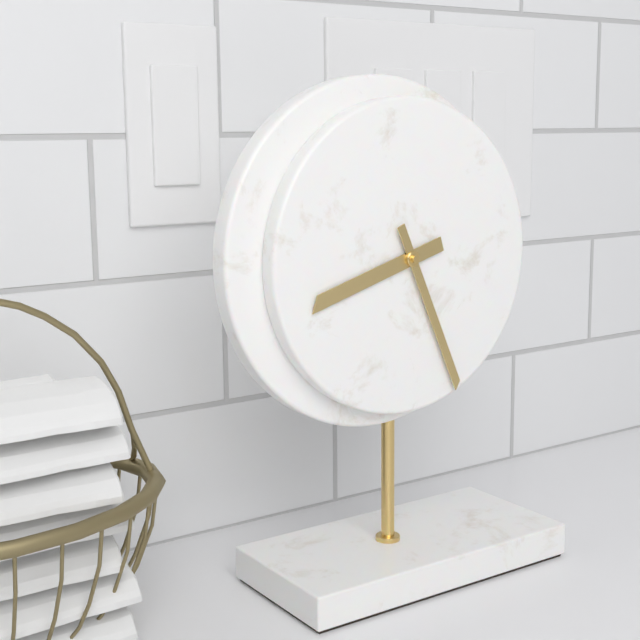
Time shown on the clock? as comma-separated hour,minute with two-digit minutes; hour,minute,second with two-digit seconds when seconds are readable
8,26
